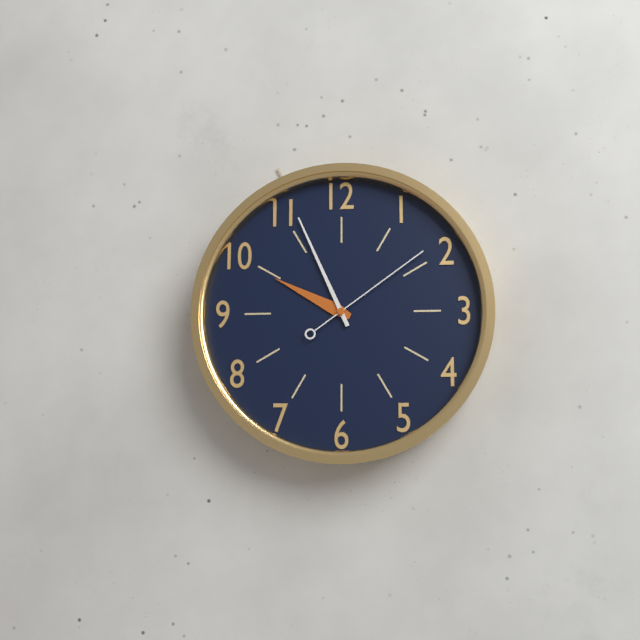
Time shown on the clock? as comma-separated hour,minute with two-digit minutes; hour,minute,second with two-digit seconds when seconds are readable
9,56,09
